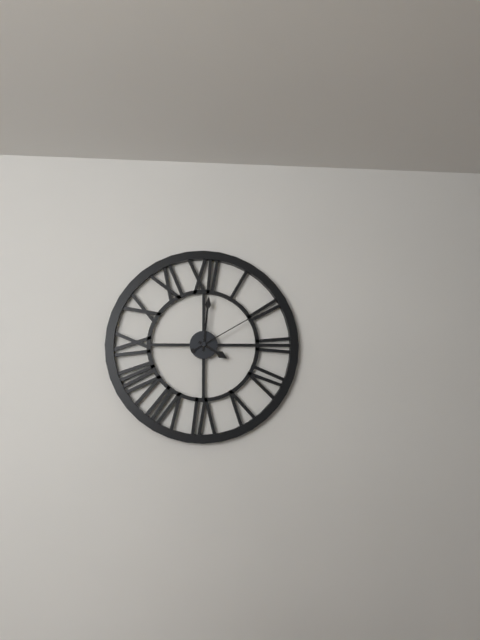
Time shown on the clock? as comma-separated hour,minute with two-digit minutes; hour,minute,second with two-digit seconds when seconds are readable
4,01,10
